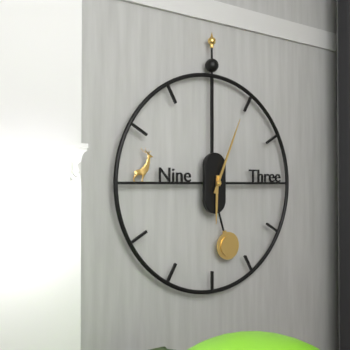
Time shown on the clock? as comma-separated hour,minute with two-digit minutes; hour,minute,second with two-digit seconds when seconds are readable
6,04
